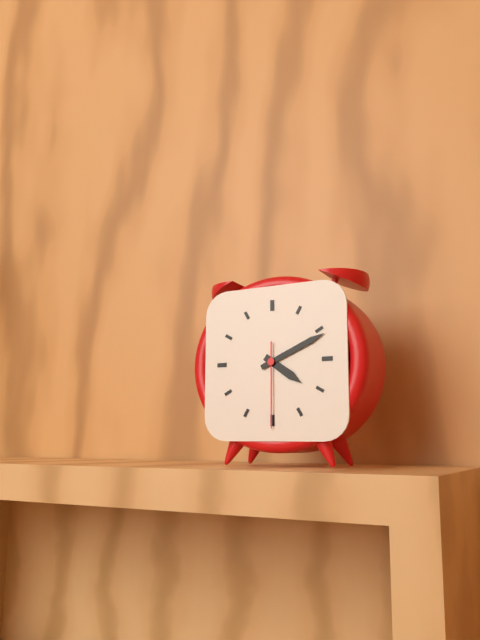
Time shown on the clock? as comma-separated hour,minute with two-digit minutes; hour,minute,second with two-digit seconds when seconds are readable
4,11,30
